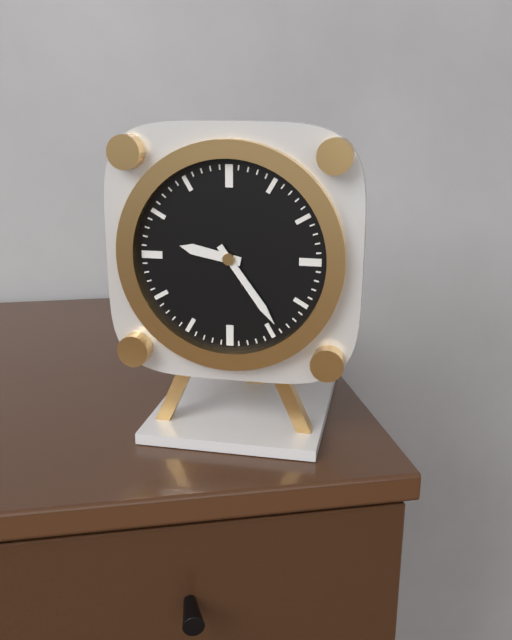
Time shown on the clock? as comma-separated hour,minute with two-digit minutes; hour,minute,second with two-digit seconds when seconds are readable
9,24
